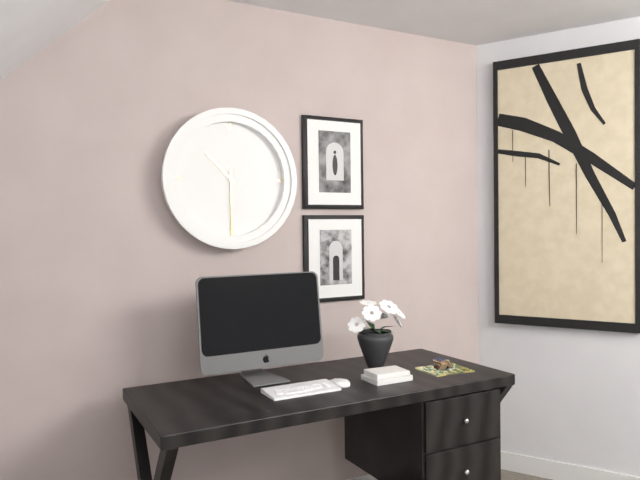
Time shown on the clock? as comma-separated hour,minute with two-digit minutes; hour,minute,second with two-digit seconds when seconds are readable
10,30
